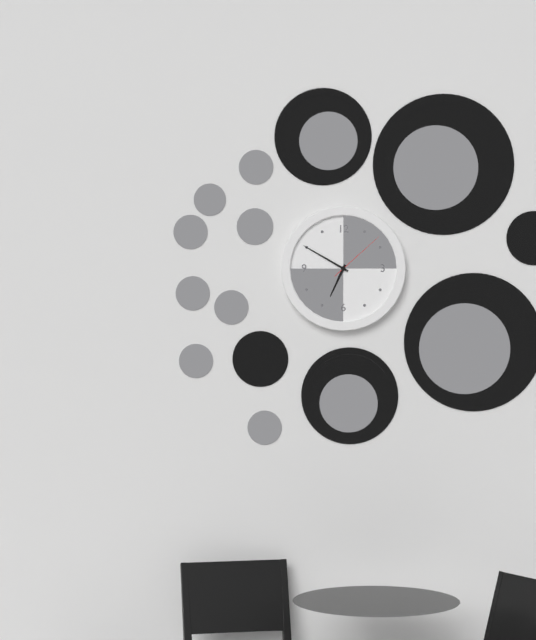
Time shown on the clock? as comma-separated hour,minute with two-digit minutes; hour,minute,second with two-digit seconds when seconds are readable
6,50,08
